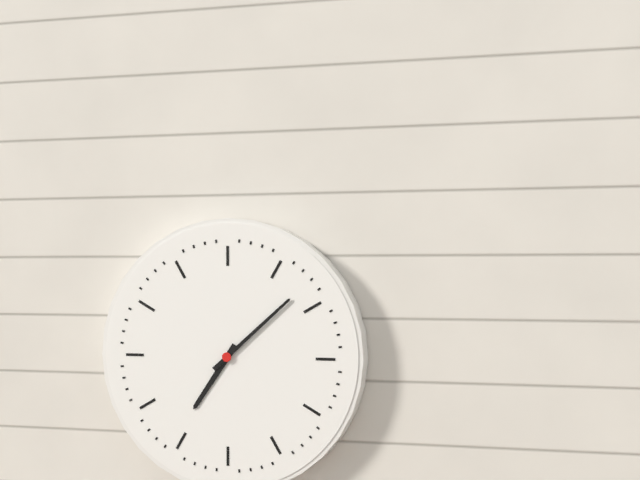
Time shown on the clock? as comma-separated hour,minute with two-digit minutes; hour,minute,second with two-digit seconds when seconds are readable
7,08
